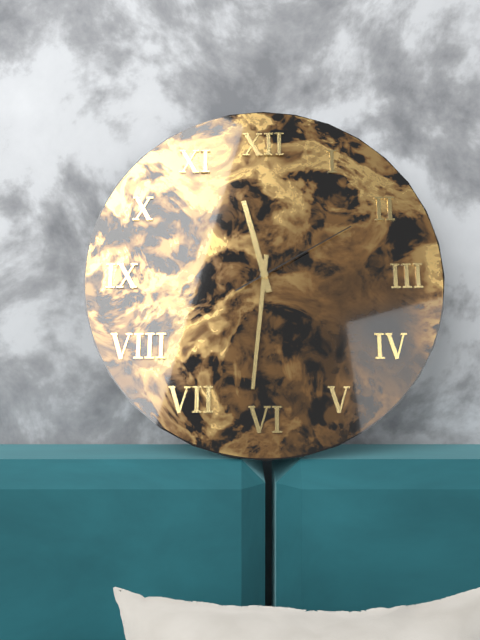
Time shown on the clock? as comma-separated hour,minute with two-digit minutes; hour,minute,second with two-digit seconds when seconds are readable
11,31,10
